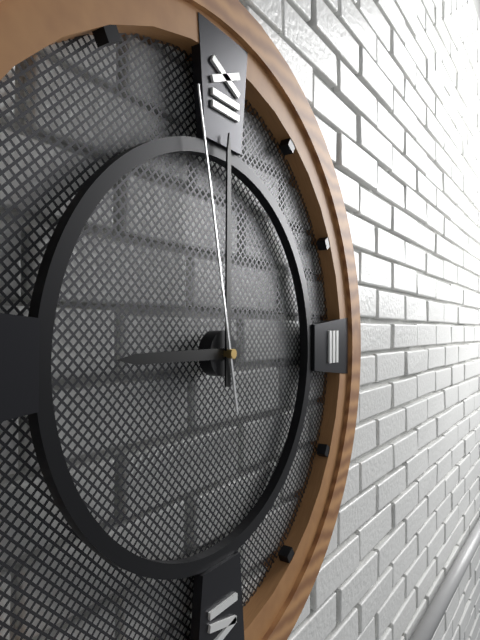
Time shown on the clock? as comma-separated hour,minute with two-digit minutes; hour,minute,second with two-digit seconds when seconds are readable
9,00,58
